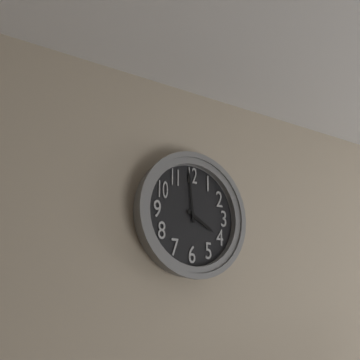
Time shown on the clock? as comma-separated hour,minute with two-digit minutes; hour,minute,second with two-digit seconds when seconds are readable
3,59
